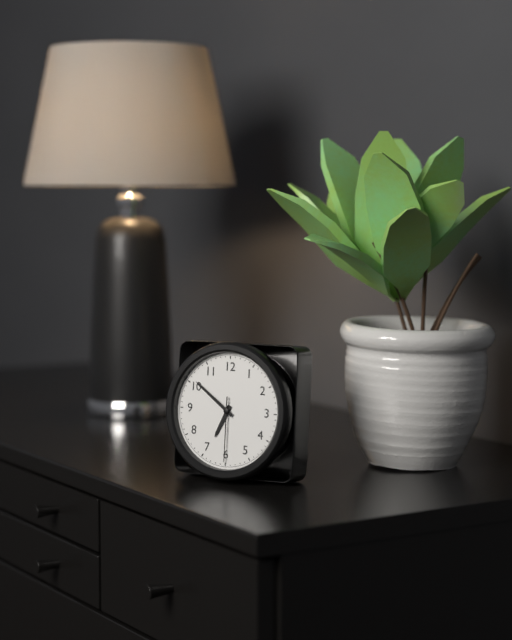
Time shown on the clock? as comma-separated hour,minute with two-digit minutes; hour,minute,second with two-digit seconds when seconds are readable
6,51,30
